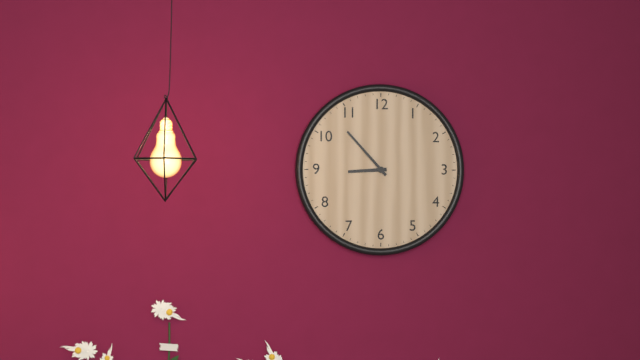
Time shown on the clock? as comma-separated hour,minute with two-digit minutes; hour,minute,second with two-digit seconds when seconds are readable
8,53
